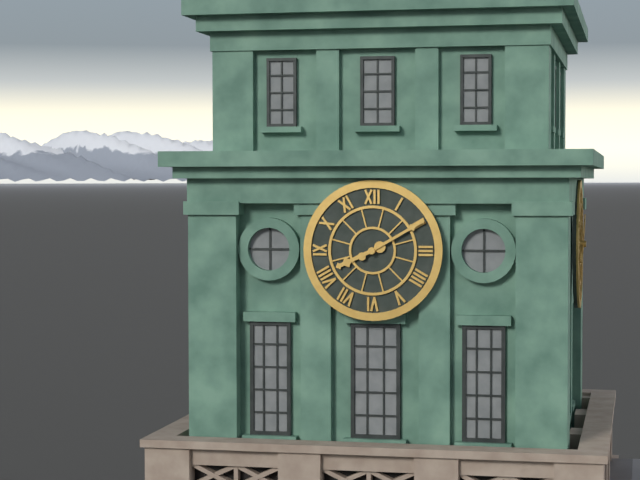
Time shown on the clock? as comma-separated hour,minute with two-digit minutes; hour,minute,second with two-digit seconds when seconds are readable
8,10
